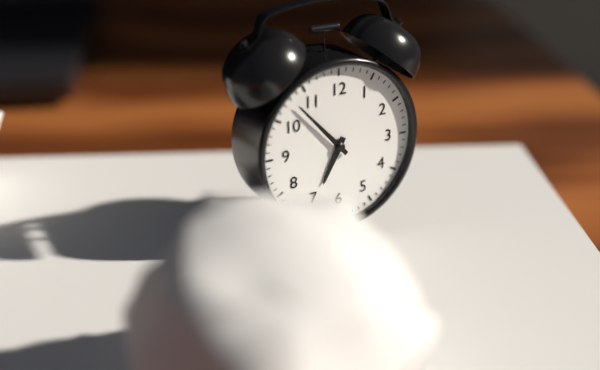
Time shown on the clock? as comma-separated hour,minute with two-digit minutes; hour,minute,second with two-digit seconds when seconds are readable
6,53
